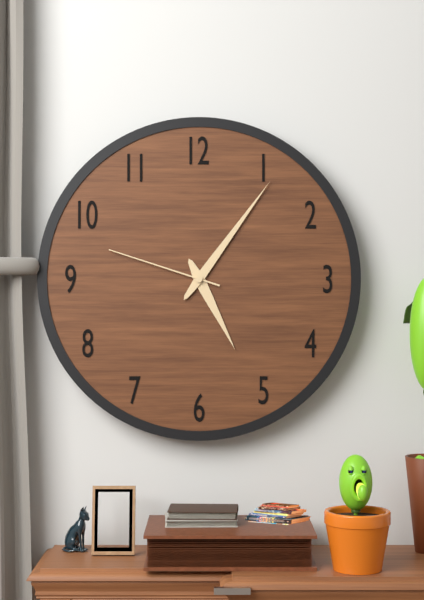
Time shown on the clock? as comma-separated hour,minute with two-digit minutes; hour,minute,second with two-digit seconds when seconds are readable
5,06,48
